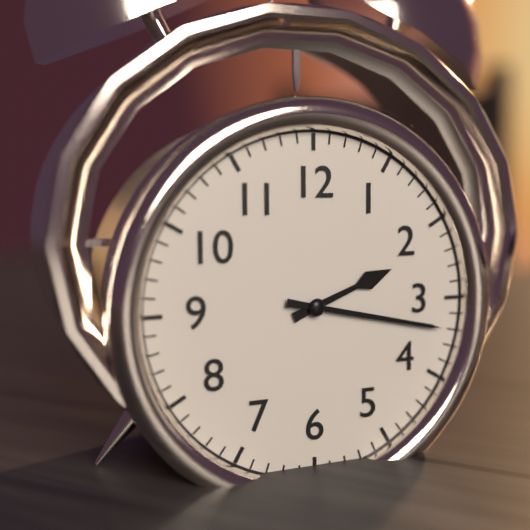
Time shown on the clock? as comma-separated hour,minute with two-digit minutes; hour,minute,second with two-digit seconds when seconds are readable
2,17
